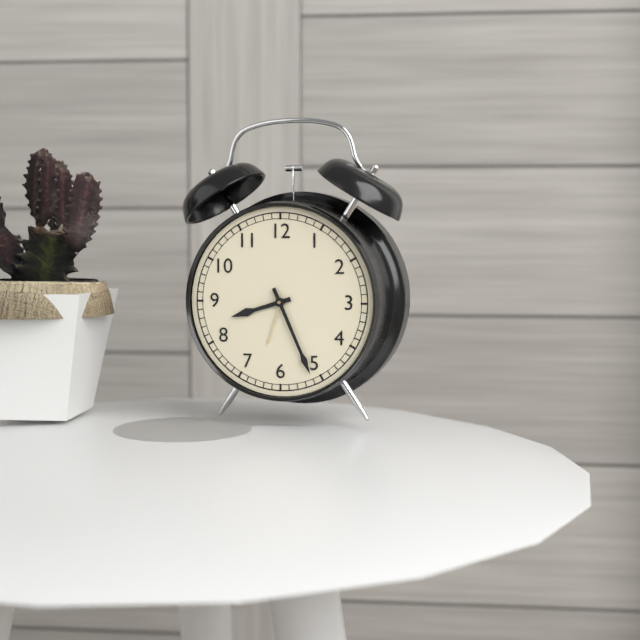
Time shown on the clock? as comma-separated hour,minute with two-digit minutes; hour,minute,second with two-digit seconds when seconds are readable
8,26
